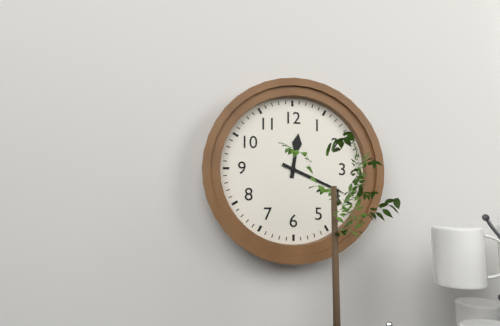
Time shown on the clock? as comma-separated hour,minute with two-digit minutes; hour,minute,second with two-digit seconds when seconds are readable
12,19
